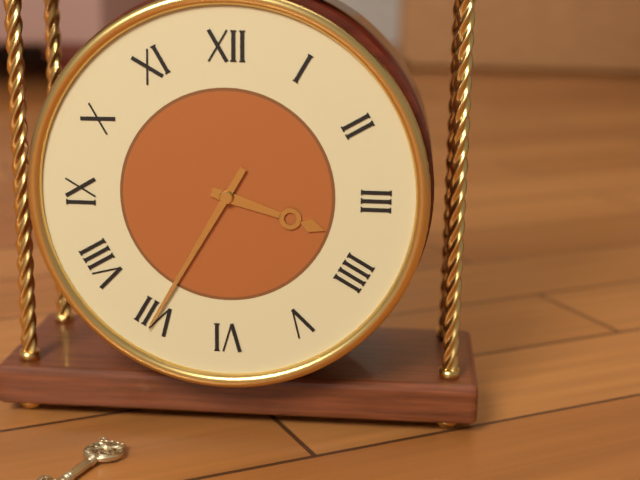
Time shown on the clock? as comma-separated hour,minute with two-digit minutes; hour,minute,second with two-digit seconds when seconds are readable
3,35
